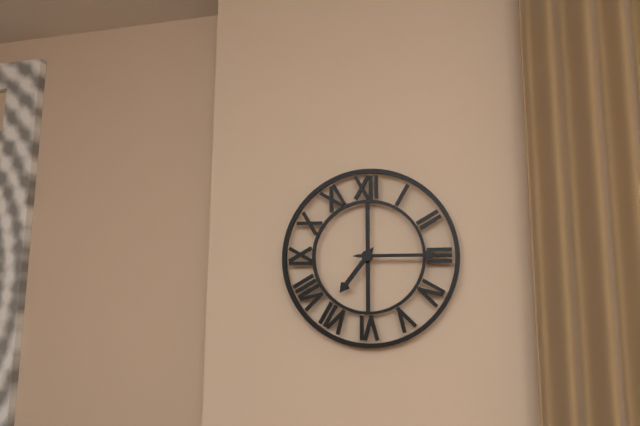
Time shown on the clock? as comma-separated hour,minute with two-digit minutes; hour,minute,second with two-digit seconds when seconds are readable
7,15
